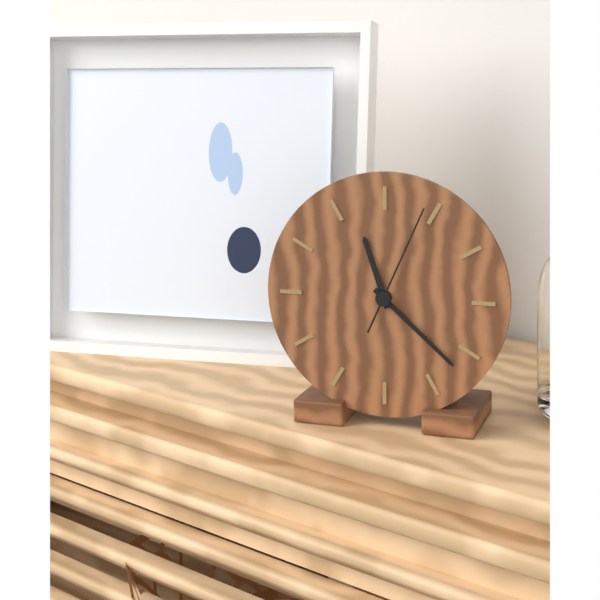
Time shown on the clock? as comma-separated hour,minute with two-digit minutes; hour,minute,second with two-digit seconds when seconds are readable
11,22,04
